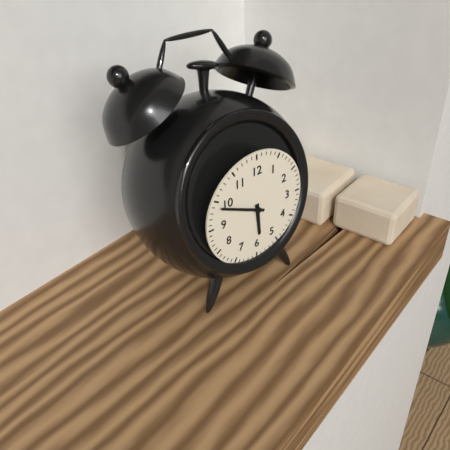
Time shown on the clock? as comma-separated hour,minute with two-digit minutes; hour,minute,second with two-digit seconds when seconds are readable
5,49
